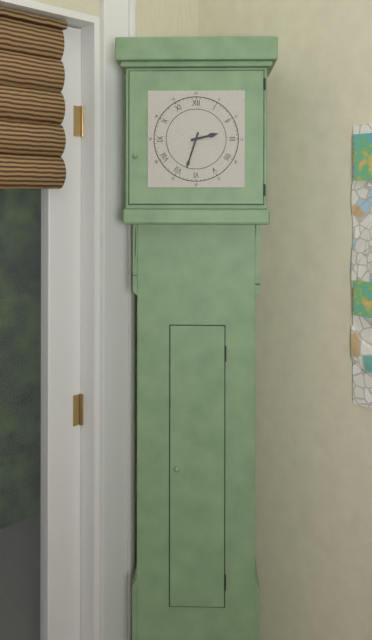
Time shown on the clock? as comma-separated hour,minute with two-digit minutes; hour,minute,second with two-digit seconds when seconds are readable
2,33
